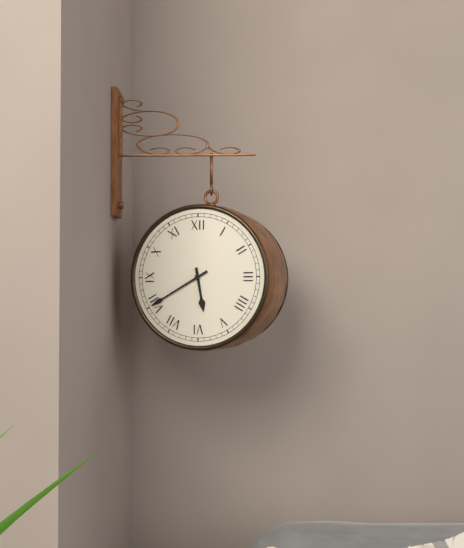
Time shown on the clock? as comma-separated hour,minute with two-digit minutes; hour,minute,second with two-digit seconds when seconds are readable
5,40
